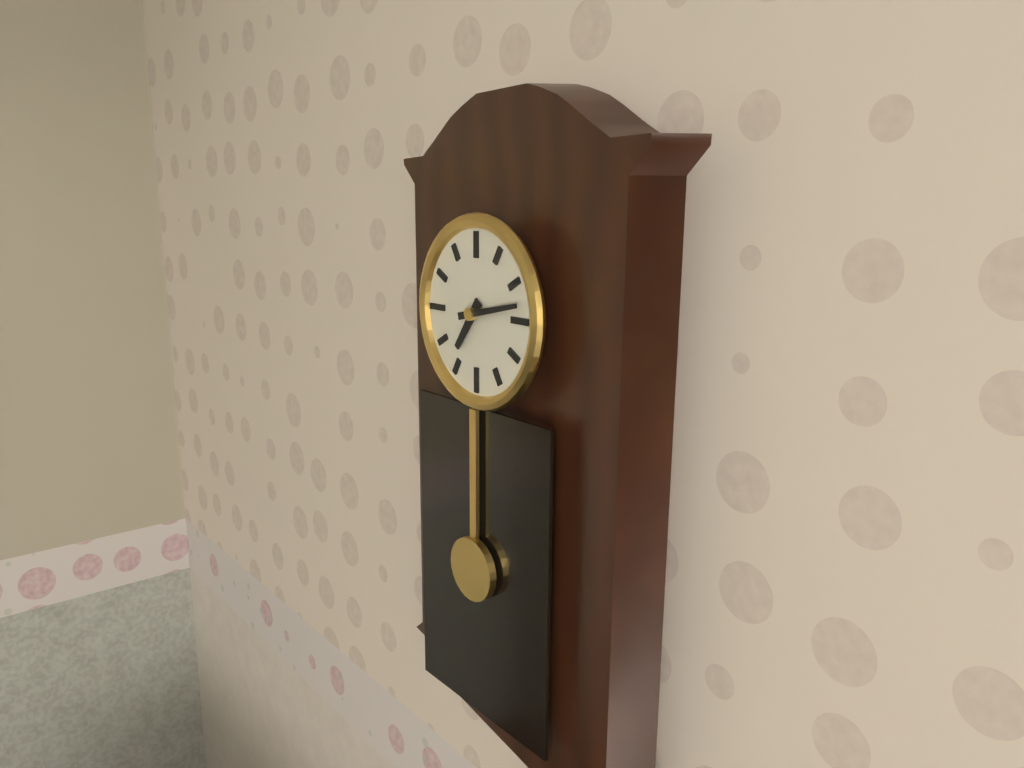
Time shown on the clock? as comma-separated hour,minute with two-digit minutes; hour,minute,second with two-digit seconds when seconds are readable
7,13
